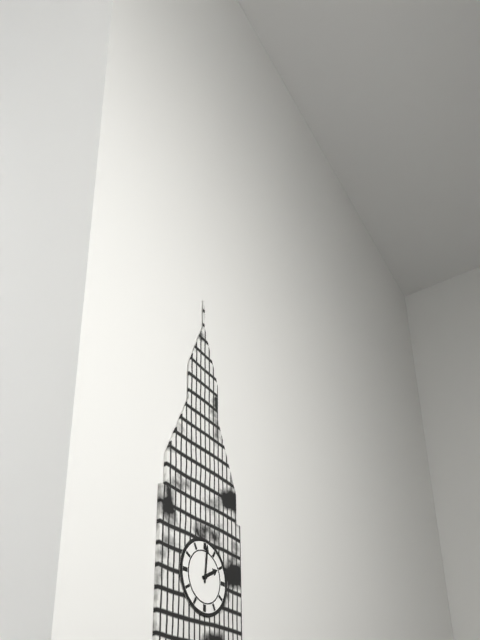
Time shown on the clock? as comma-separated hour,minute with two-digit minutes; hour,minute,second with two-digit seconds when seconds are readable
2,01
